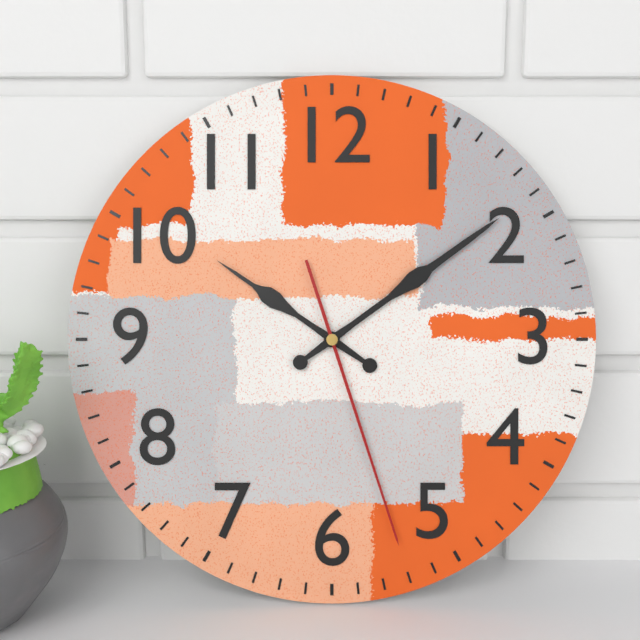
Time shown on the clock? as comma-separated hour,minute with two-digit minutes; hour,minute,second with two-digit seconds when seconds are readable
10,09,27
